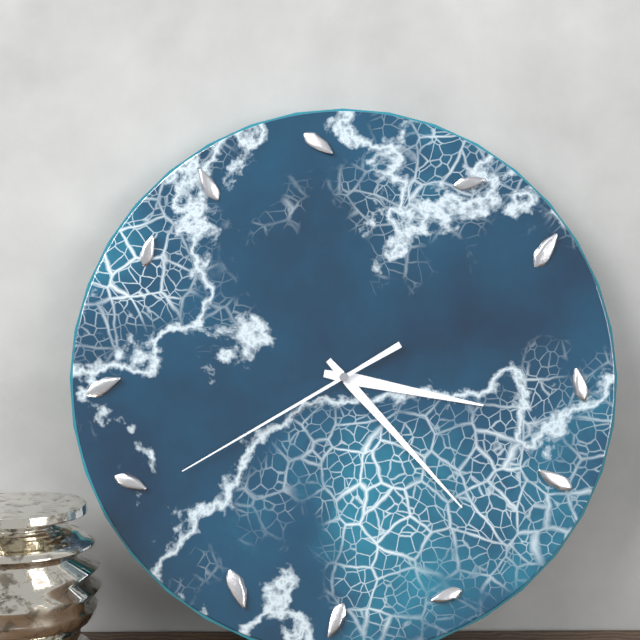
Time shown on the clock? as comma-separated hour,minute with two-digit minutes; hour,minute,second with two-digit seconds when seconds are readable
3,23,40
